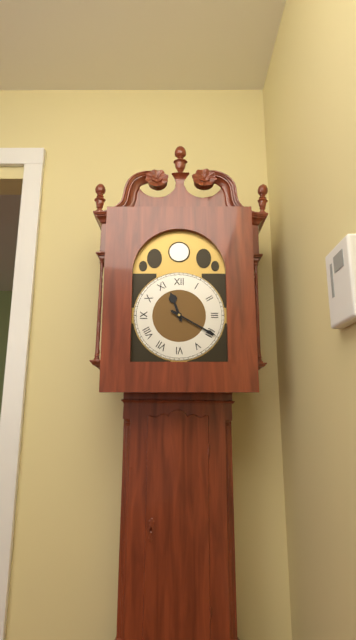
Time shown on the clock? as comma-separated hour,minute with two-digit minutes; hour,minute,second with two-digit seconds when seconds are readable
11,20
